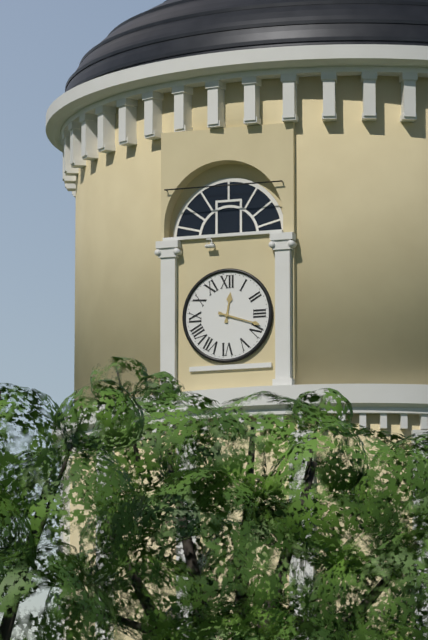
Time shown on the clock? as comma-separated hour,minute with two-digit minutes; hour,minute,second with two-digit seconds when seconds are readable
12,18
